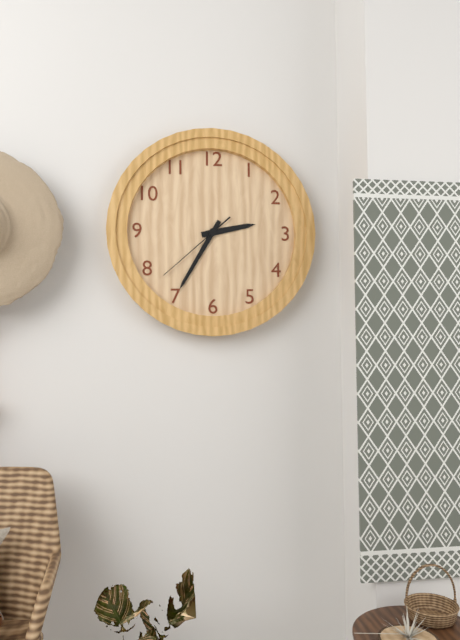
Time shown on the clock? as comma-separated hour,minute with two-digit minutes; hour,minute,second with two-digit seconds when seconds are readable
2,35,38
